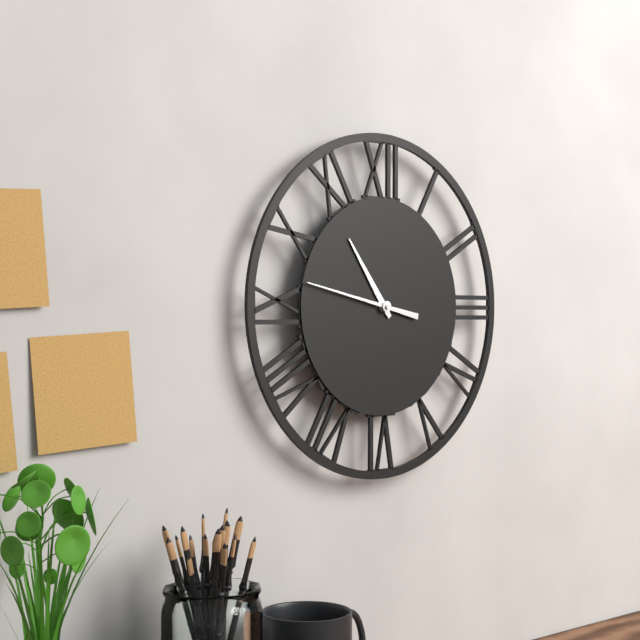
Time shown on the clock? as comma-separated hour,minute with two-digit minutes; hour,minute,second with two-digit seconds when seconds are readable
10,47
